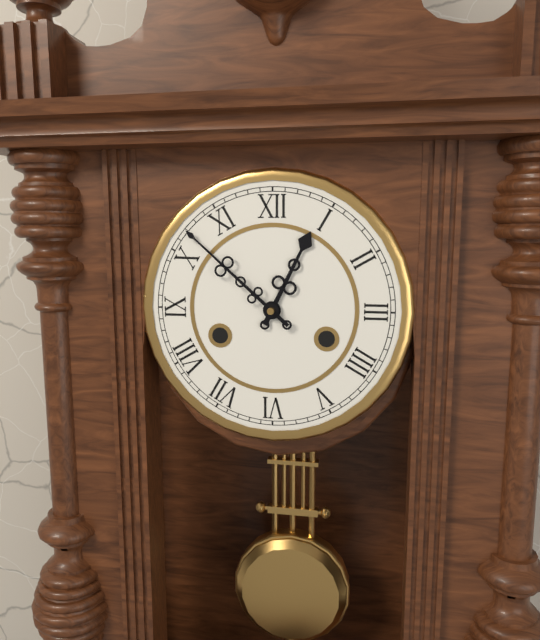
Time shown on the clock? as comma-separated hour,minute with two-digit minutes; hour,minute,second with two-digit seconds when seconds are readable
12,52
